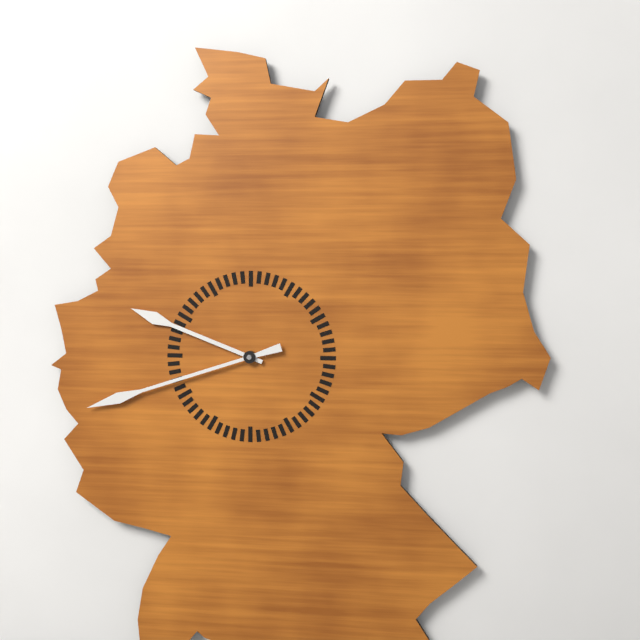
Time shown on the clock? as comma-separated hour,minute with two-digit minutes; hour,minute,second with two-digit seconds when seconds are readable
9,42
